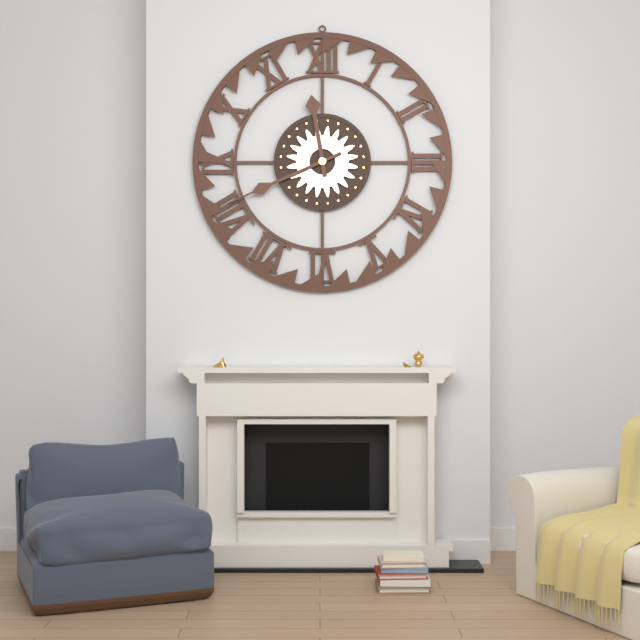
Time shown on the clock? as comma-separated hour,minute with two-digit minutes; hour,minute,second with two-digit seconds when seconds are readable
11,41
